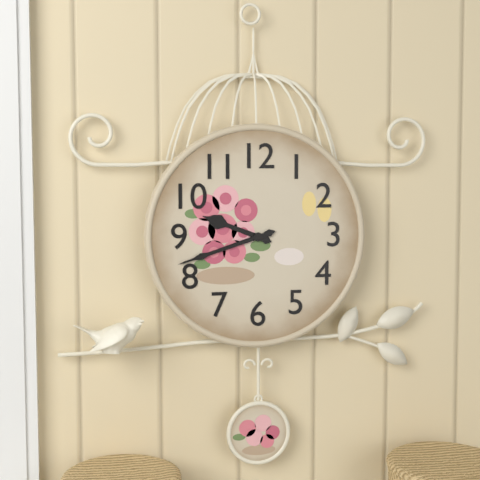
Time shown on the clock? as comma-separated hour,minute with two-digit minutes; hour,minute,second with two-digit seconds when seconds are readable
9,42
